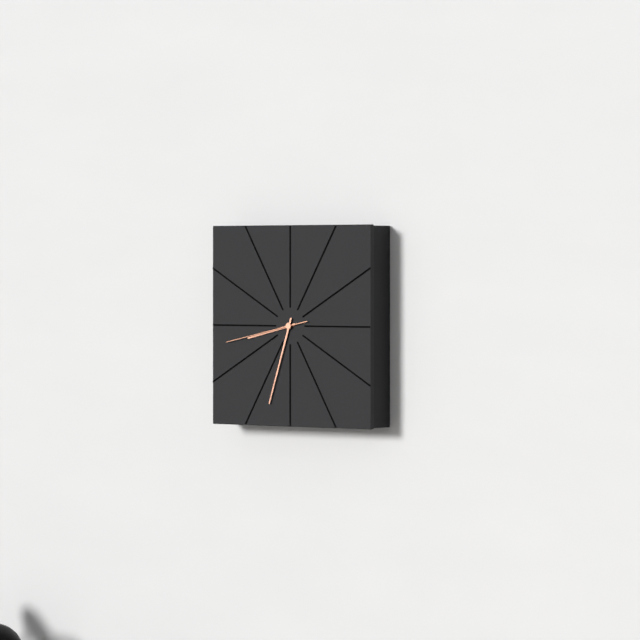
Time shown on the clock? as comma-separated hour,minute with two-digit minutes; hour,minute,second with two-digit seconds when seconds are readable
8,33,43
